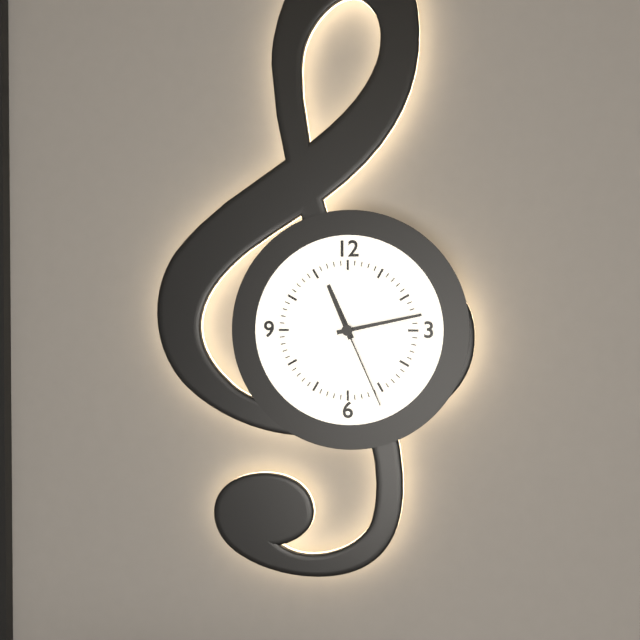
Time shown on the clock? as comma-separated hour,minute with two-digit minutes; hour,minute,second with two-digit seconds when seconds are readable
11,13,26
